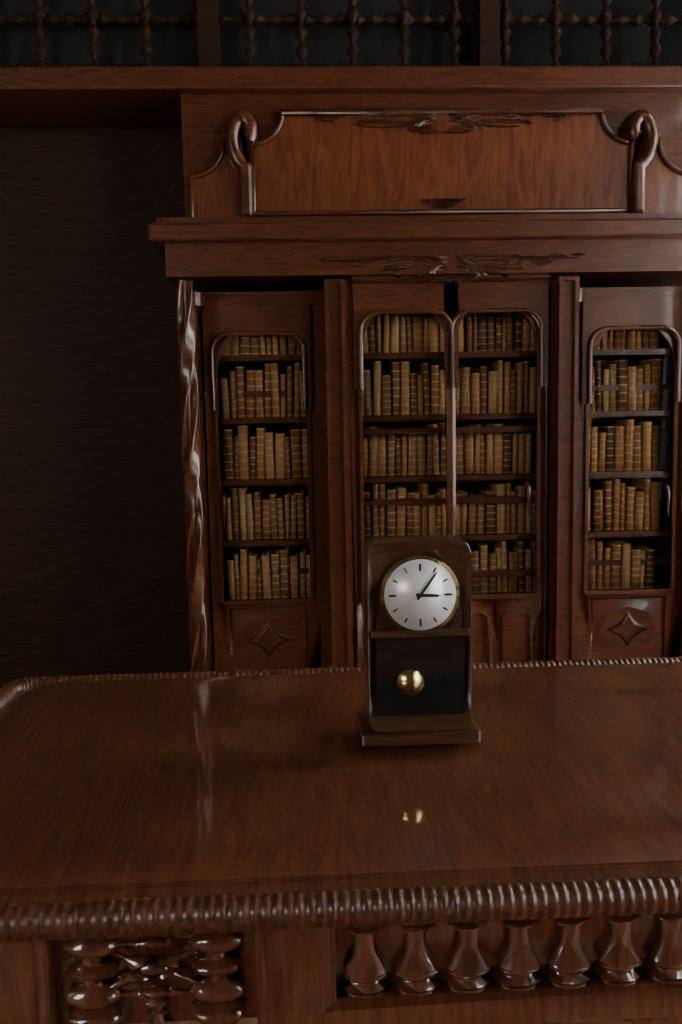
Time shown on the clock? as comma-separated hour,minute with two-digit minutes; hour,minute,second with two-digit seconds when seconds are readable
3,06
